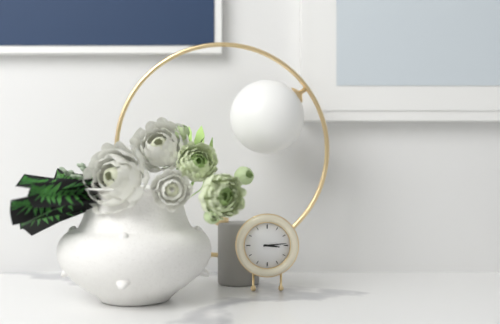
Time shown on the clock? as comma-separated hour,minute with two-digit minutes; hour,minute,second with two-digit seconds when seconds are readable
3,14
